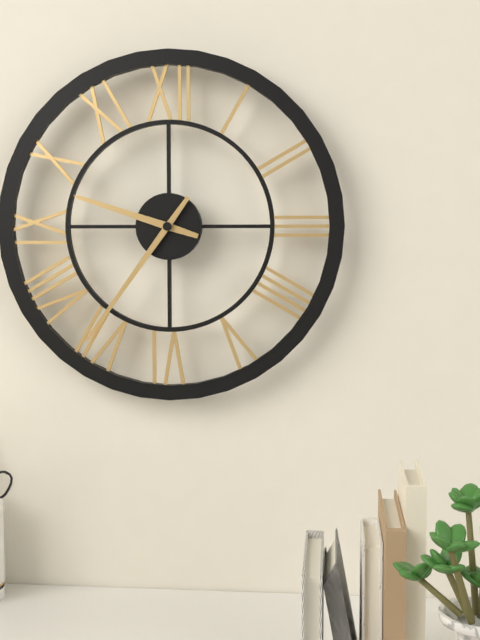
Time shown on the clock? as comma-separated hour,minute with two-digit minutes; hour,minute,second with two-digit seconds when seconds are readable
9,36
